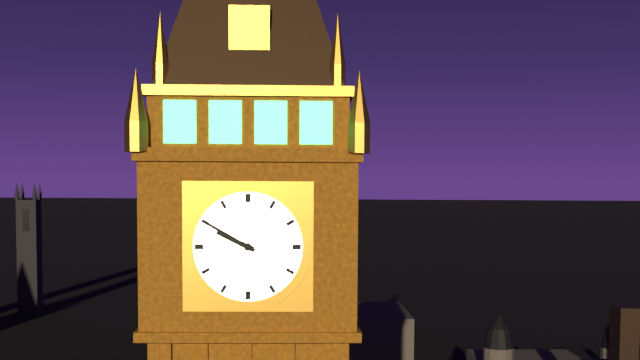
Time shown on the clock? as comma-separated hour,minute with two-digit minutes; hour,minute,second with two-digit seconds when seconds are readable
9,50
